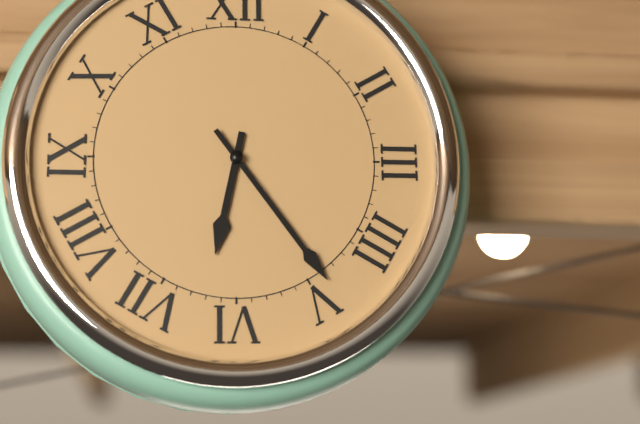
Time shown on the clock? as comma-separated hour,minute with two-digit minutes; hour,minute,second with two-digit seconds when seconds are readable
6,24
